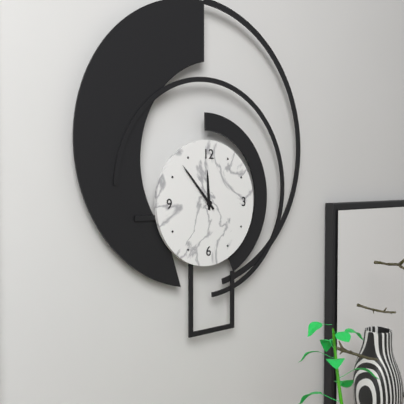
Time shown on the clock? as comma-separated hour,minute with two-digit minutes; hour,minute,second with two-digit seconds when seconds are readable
11,53
